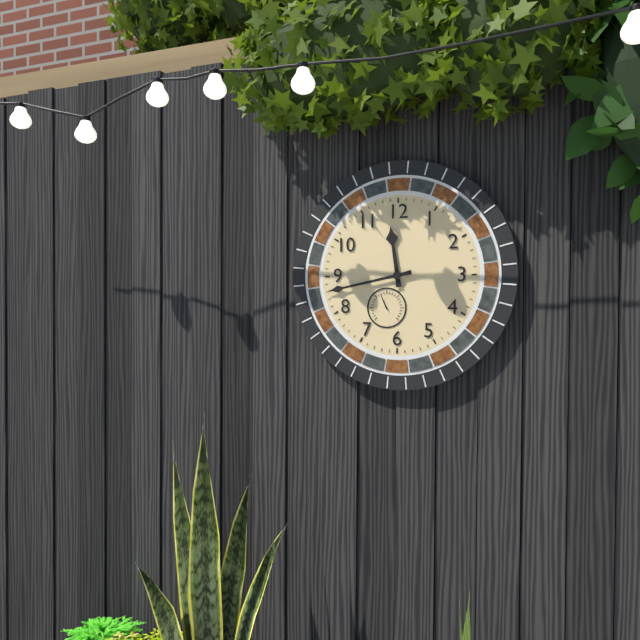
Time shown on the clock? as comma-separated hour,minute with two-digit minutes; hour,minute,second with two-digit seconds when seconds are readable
11,43
